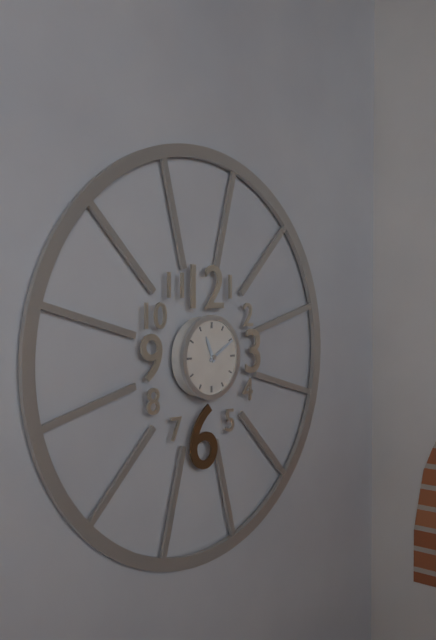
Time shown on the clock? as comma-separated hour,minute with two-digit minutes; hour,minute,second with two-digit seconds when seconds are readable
11,10
